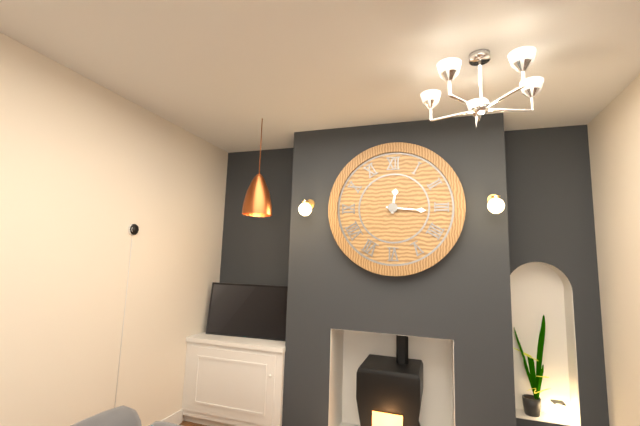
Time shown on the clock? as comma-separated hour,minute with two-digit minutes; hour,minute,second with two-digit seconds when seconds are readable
12,16
